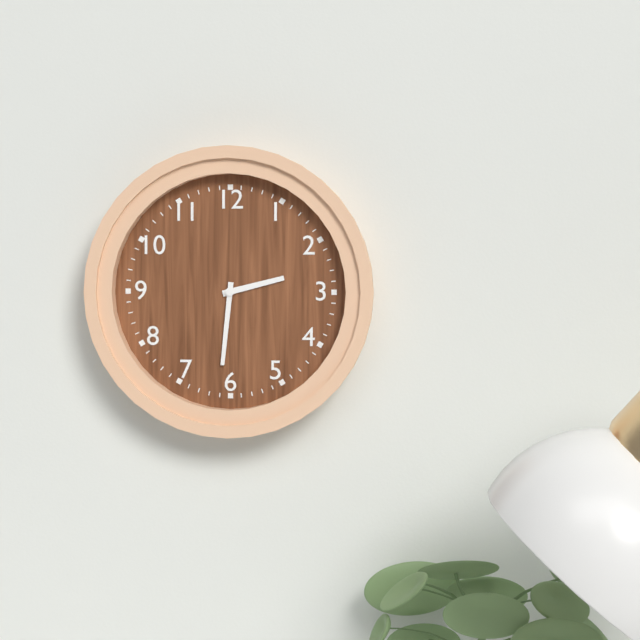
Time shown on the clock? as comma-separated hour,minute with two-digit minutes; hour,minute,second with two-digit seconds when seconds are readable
2,31
